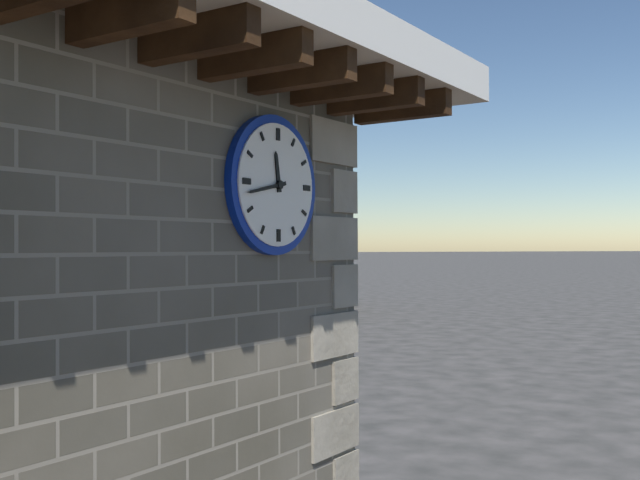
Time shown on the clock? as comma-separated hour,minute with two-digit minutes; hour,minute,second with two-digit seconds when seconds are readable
11,43
